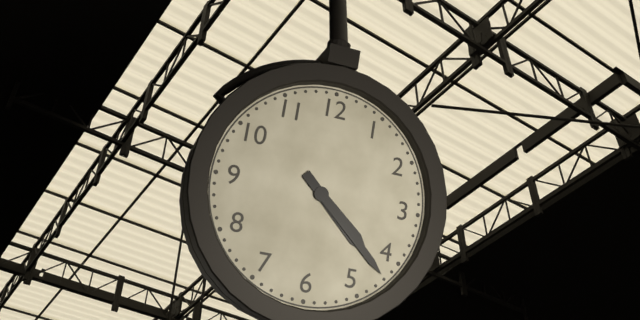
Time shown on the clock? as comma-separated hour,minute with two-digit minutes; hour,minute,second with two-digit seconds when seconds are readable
4,22
